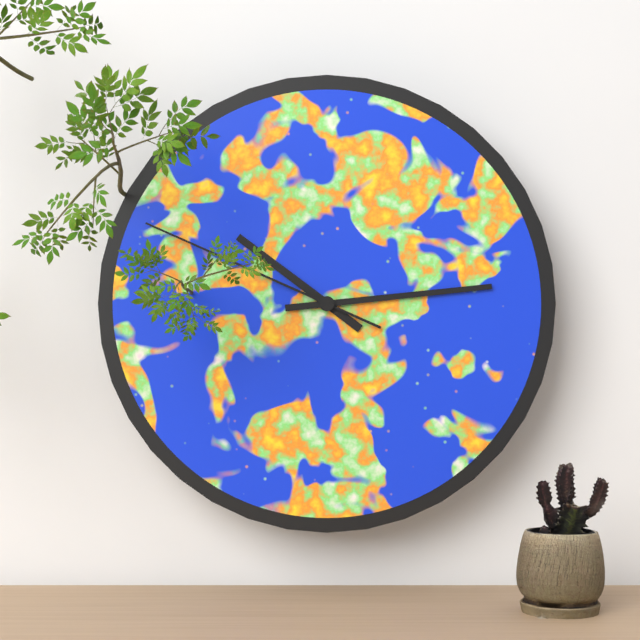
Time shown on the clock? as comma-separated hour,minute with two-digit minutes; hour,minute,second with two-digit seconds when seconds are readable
10,14,49
